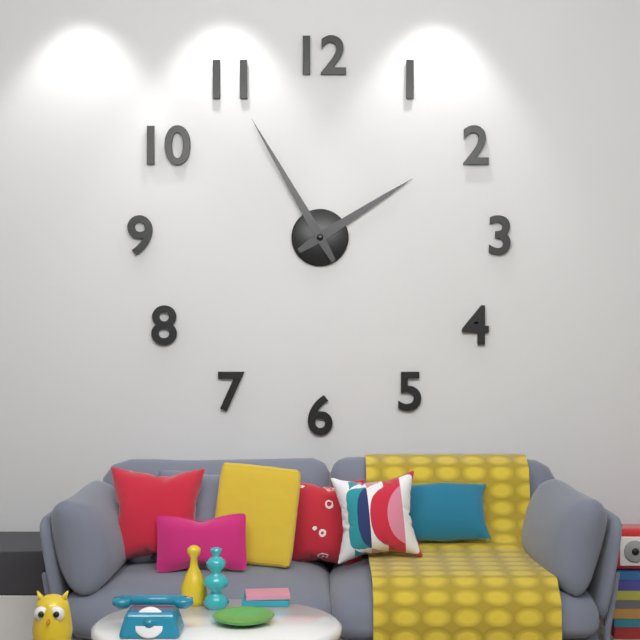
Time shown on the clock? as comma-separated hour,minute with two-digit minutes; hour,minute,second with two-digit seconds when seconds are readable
1,55
